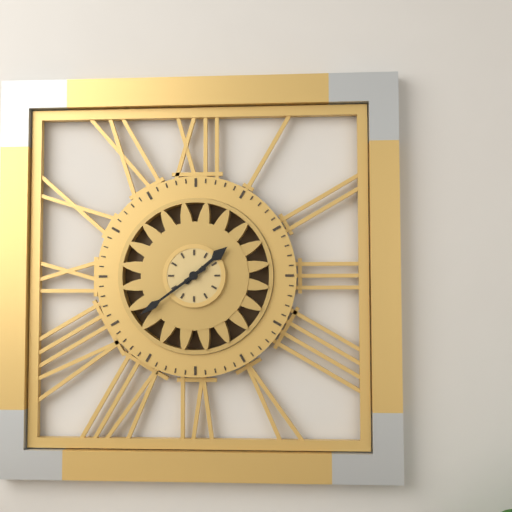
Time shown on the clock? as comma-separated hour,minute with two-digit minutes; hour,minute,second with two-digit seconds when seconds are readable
1,39
